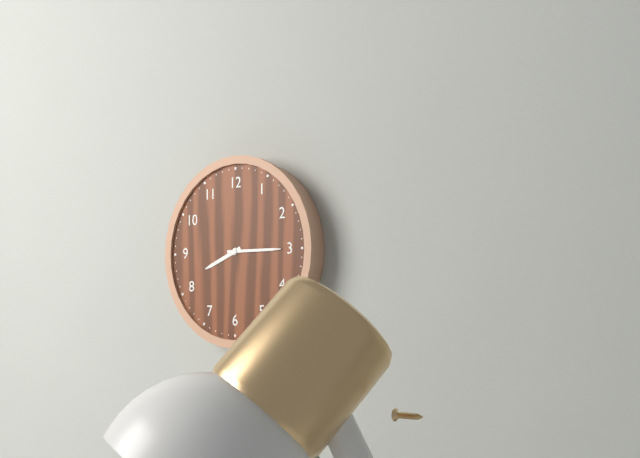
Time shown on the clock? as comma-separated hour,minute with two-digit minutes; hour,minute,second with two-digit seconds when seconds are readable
8,15
